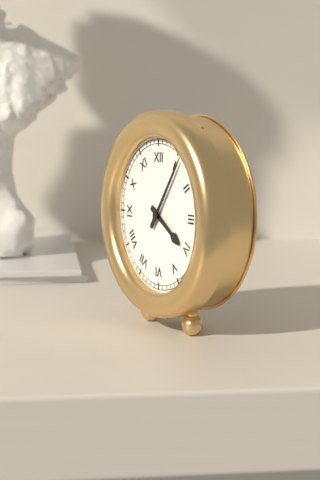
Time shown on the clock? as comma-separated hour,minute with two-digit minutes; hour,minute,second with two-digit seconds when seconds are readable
4,06
